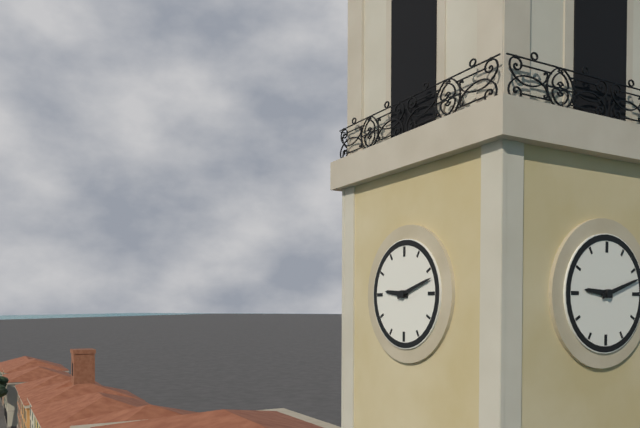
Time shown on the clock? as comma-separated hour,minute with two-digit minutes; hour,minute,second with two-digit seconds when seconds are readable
9,12
